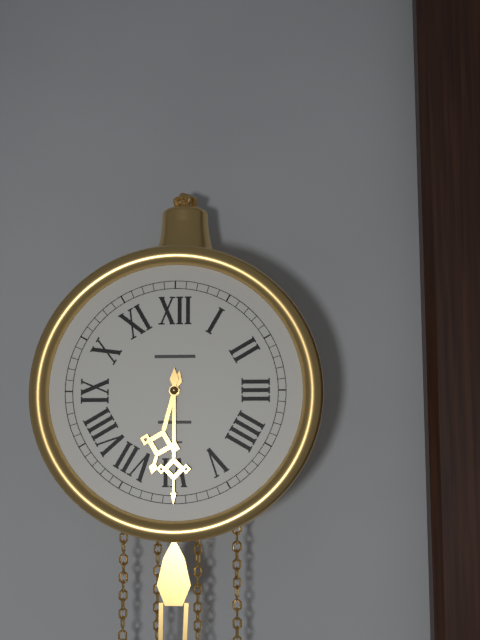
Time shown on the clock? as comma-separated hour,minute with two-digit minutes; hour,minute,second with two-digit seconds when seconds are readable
6,30
